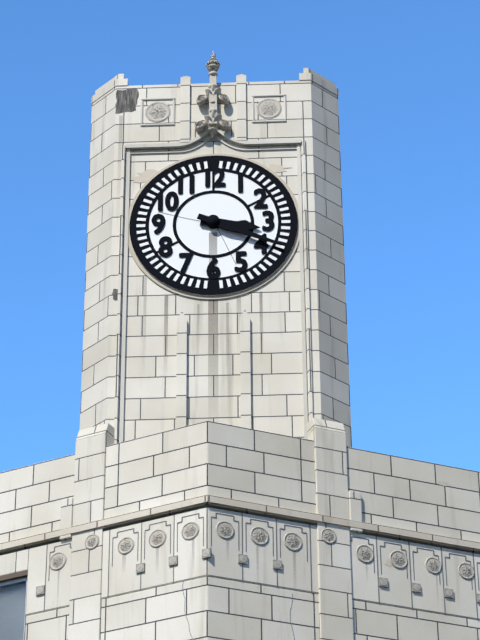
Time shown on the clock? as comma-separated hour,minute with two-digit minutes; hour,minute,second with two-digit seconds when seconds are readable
3,19
